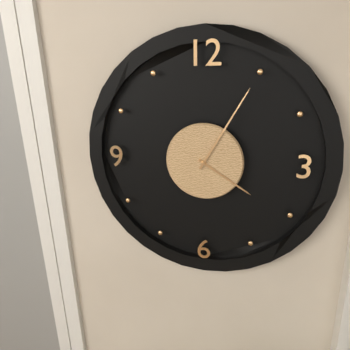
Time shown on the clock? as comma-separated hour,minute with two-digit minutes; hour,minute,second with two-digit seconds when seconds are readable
4,05
